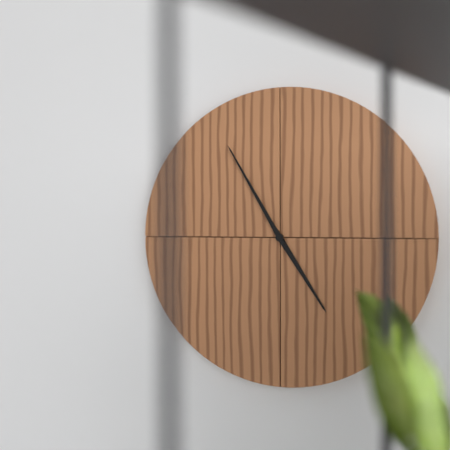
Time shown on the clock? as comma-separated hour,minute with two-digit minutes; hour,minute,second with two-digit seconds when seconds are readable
4,55
